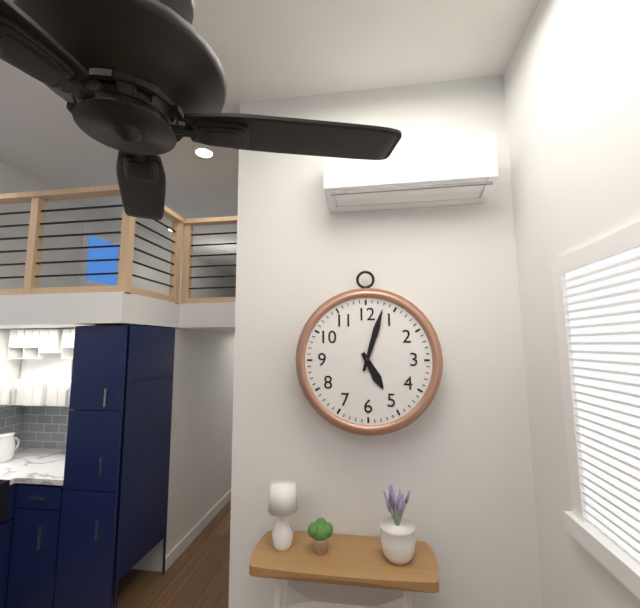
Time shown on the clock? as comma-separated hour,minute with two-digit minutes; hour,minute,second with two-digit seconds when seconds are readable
5,03
